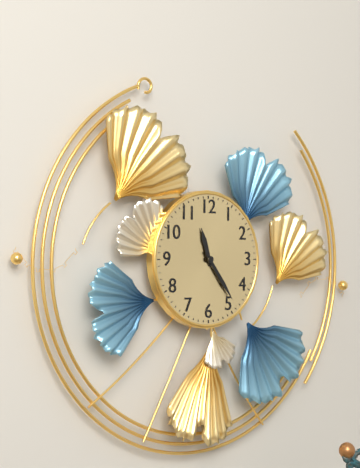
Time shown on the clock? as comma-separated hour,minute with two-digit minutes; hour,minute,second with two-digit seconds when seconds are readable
11,24
